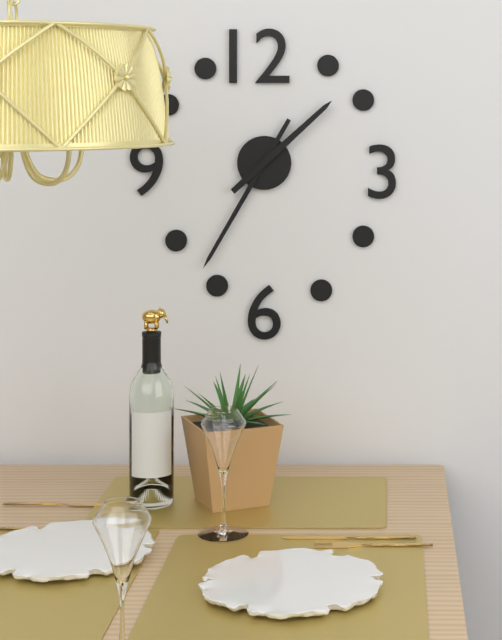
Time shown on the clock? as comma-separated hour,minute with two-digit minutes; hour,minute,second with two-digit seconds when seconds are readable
1,35
